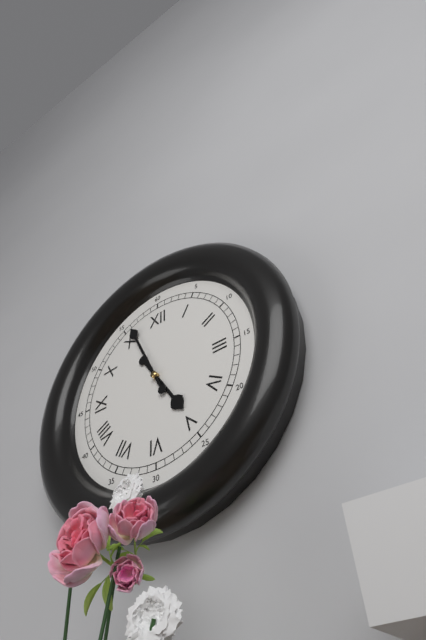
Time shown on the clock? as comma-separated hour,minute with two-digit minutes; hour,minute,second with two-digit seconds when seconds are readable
4,56
